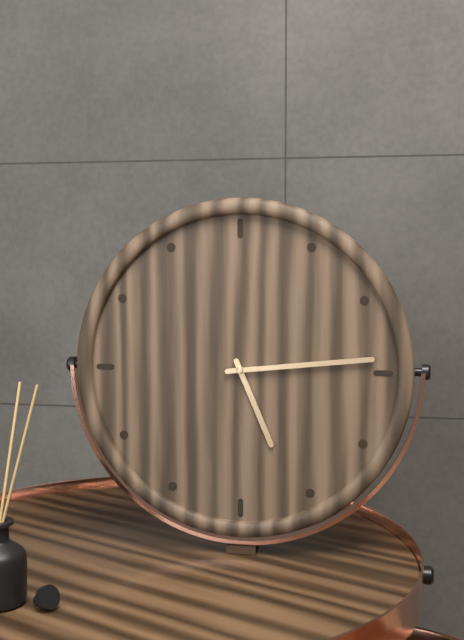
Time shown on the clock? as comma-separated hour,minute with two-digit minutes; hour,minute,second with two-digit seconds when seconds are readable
5,14
